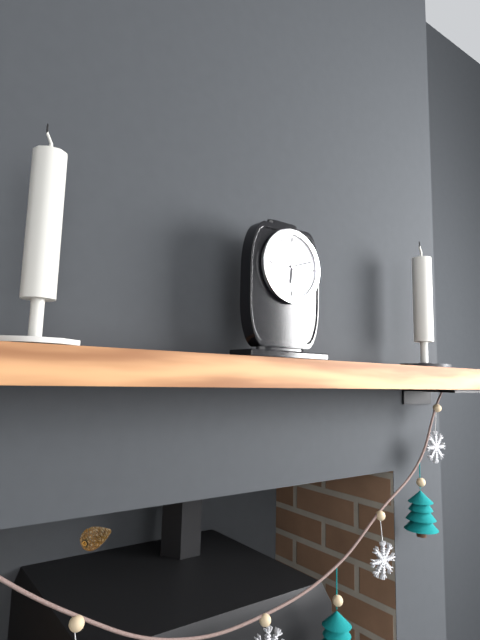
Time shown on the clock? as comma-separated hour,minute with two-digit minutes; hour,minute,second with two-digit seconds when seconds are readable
6,12
